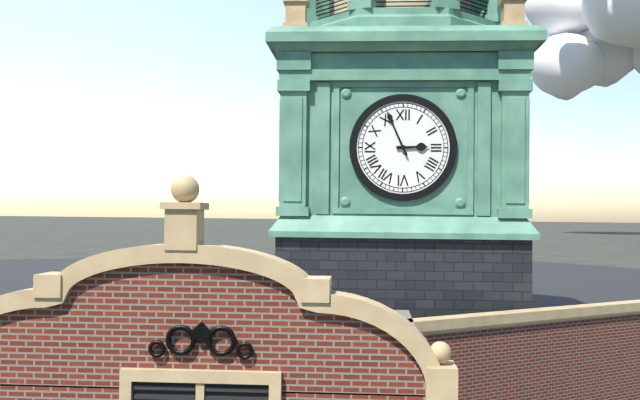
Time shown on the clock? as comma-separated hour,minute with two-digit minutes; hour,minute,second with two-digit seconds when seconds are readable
2,56
